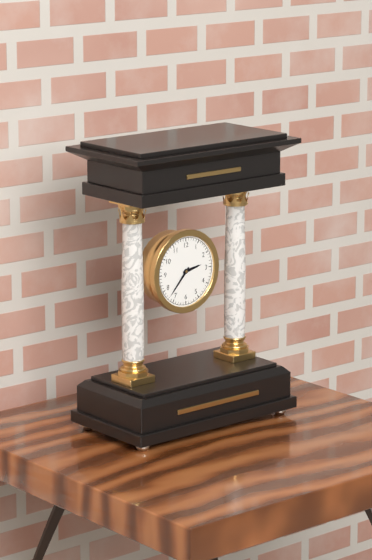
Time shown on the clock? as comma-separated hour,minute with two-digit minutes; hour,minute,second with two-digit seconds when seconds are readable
2,37
